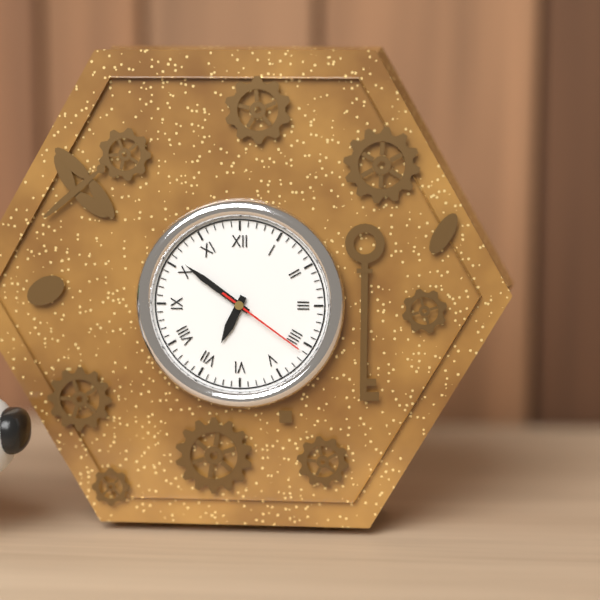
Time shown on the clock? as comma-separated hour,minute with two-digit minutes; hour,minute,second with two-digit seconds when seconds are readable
6,51,21
